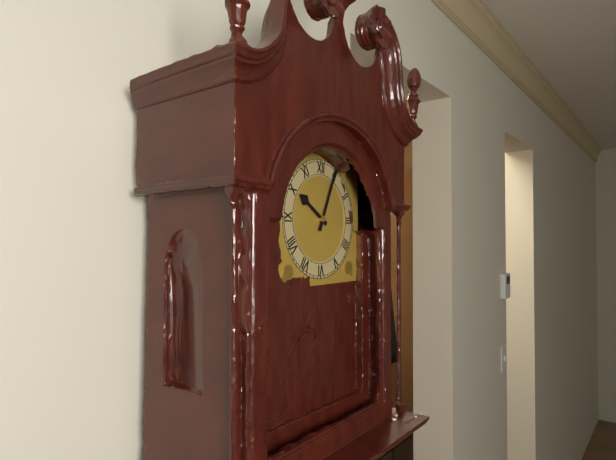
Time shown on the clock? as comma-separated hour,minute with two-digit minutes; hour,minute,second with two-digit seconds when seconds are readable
10,04
